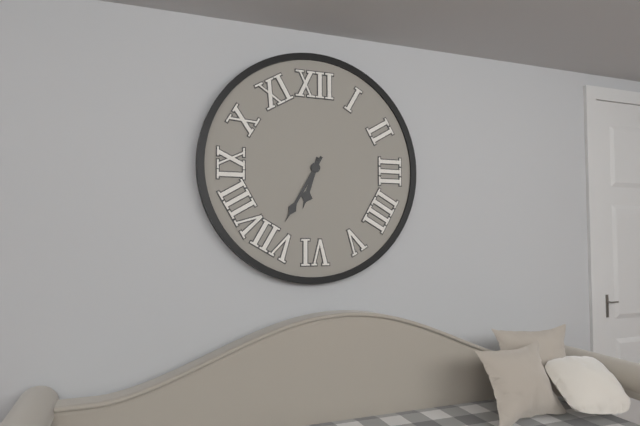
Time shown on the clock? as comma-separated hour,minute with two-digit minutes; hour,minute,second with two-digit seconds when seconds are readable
6,35
